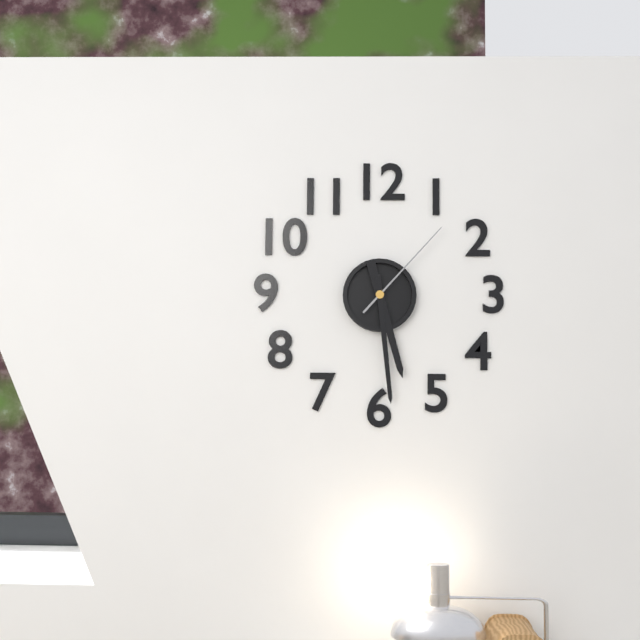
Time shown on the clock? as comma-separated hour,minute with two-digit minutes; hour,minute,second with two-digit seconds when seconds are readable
5,29,07
